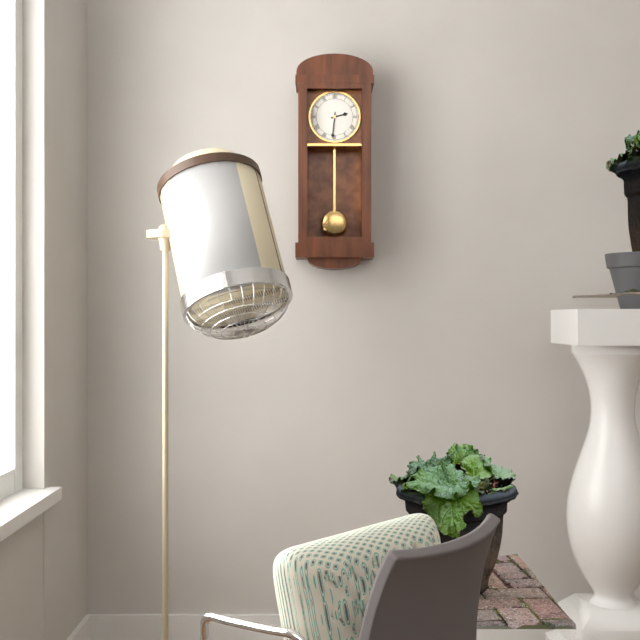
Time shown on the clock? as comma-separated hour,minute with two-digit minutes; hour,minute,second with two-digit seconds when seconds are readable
2,31
